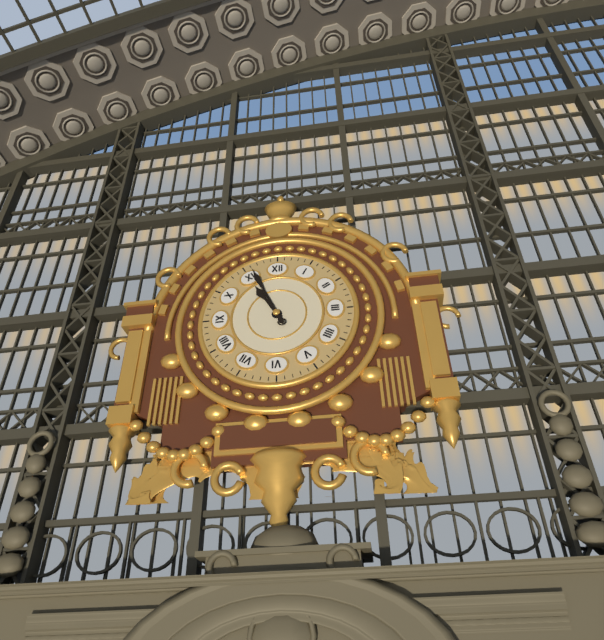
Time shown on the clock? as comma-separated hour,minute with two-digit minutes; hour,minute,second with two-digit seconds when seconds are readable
10,56
